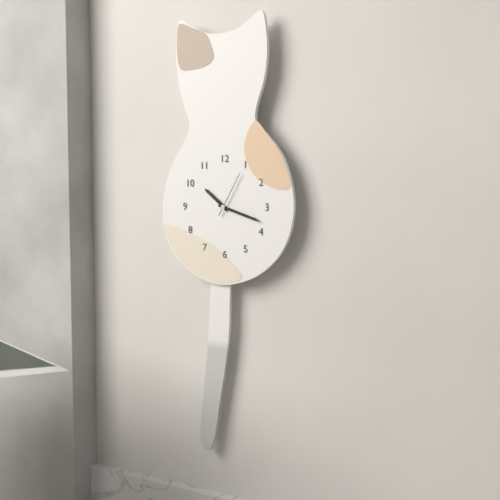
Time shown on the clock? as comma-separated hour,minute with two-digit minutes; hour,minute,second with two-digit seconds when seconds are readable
10,18
